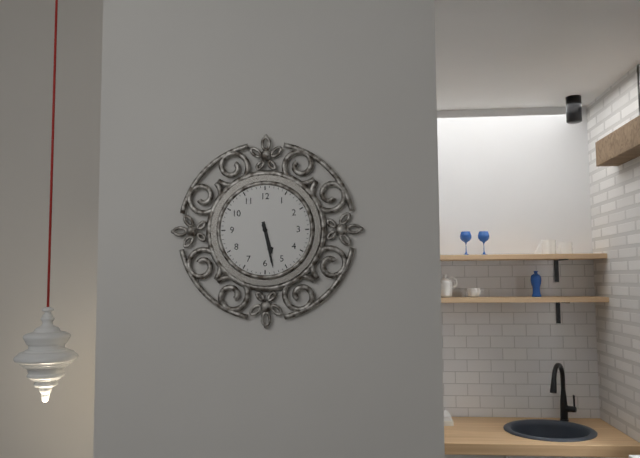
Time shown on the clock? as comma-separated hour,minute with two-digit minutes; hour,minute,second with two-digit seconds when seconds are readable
5,28
